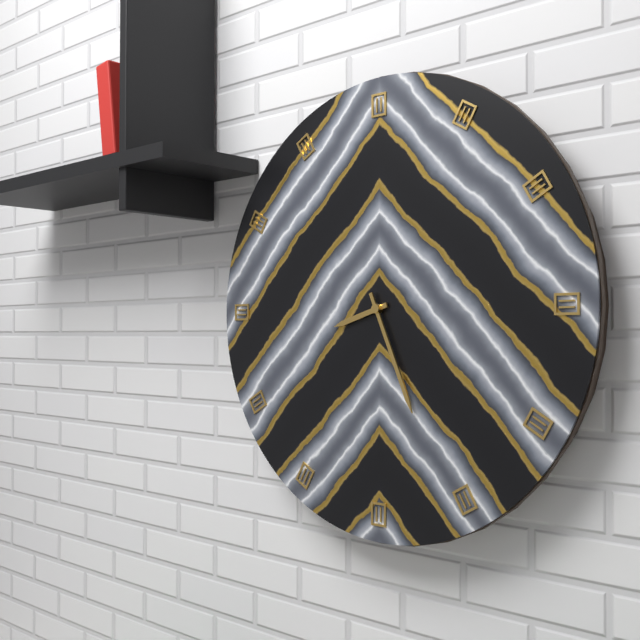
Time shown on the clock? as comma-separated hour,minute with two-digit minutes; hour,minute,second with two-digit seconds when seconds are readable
8,26
